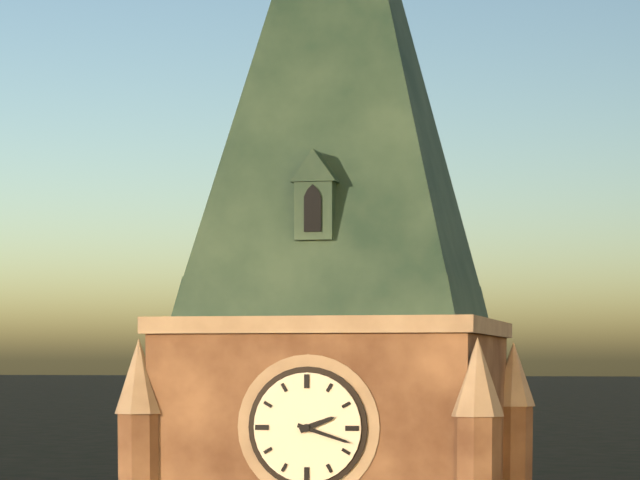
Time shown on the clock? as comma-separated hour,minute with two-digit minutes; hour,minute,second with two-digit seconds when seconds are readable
2,18
